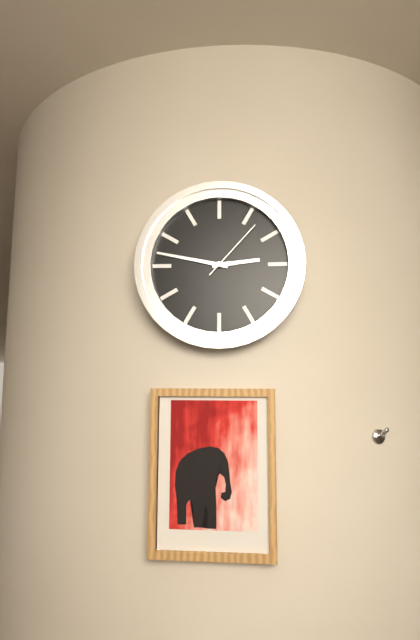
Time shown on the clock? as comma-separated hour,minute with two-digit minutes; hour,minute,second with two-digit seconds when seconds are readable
2,47,07
